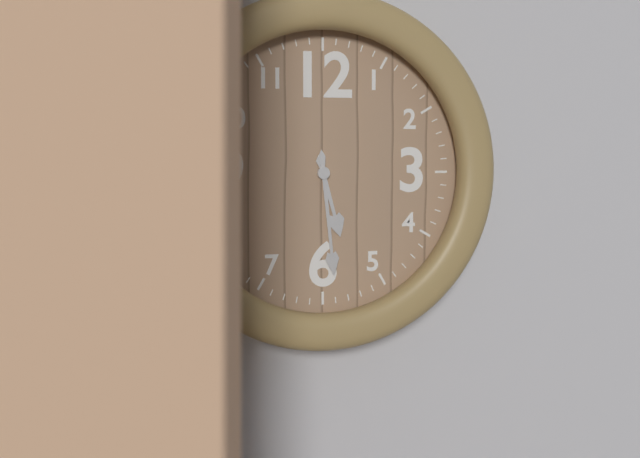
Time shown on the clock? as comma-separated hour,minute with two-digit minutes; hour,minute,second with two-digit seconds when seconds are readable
5,29
